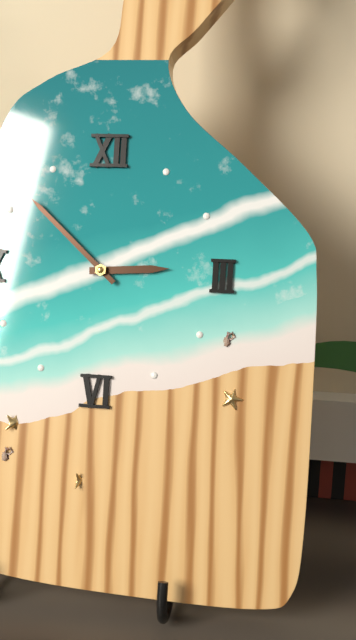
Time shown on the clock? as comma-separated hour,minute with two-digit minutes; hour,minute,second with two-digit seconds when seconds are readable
2,52
